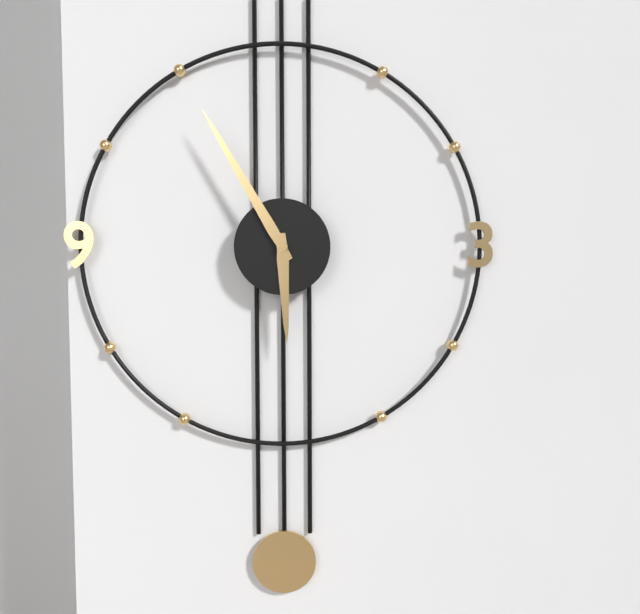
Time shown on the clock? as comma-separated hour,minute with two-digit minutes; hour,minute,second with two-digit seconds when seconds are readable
5,55
